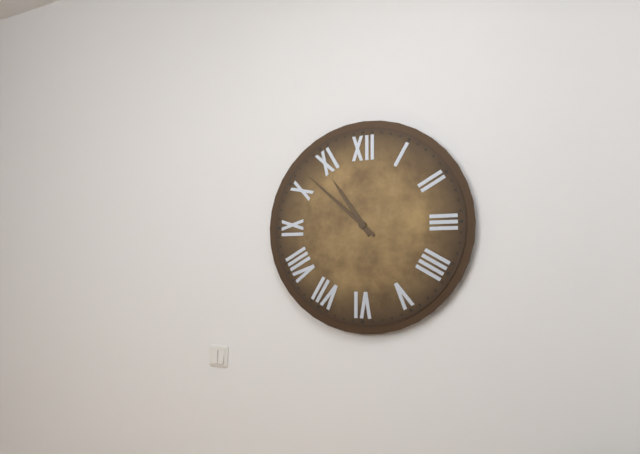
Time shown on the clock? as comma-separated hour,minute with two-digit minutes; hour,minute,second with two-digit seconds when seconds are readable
10,52
